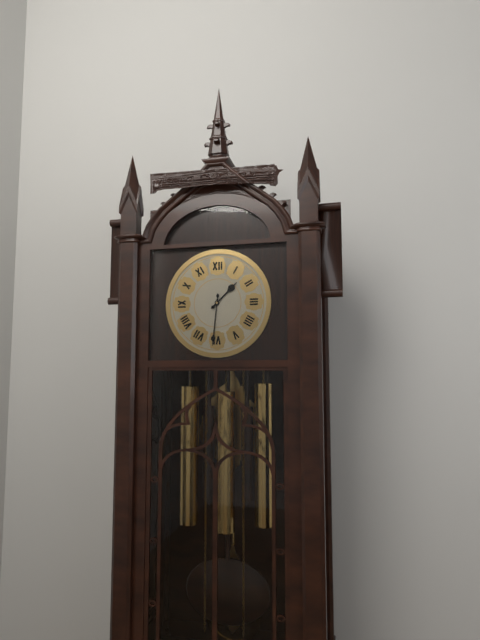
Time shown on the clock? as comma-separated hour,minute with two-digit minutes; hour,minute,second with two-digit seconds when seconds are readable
1,31
